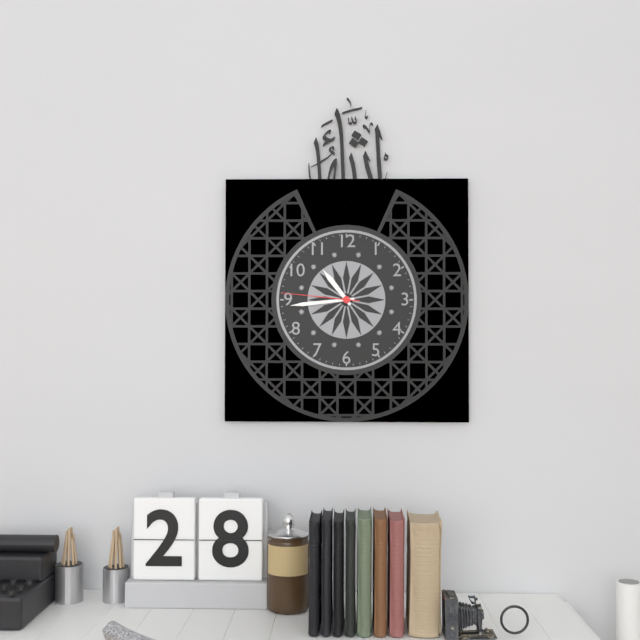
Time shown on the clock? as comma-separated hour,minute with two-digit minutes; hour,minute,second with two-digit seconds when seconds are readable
10,44,46
